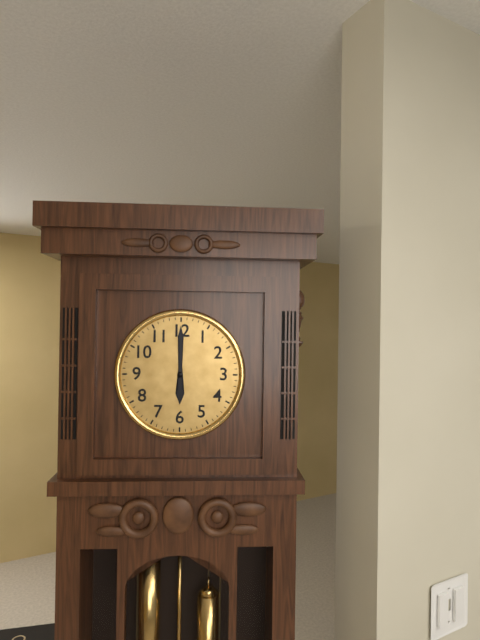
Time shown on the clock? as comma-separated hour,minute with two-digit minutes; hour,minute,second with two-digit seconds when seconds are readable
6,00
